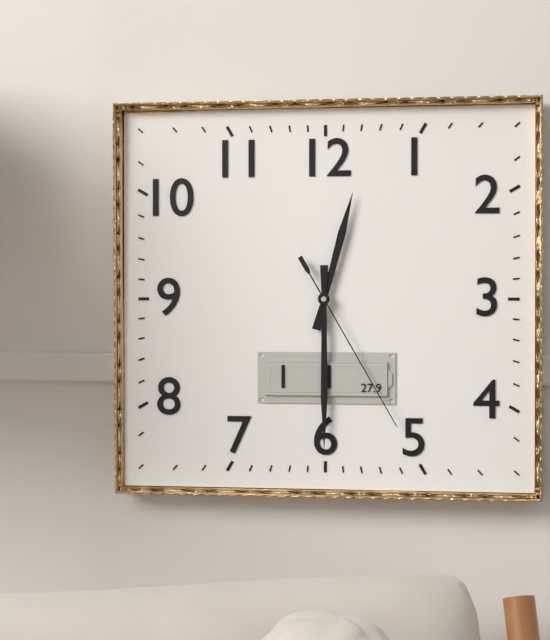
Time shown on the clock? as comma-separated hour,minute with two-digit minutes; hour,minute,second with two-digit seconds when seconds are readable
12,30,25
